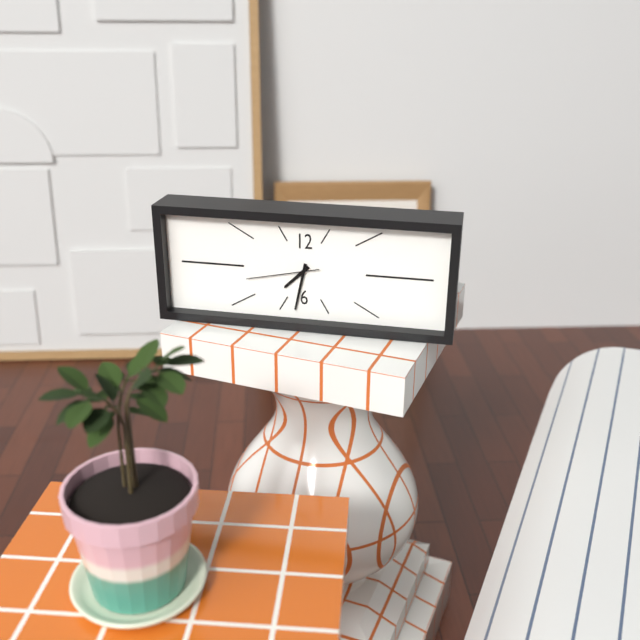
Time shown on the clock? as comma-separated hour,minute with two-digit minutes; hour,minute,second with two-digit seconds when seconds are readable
7,32,43
